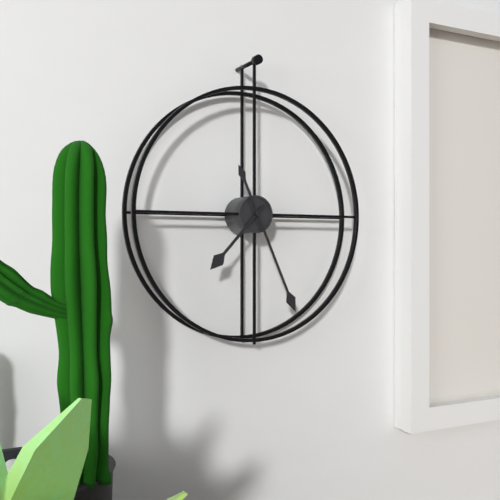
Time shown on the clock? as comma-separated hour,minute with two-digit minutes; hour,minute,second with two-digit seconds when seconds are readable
7,26
